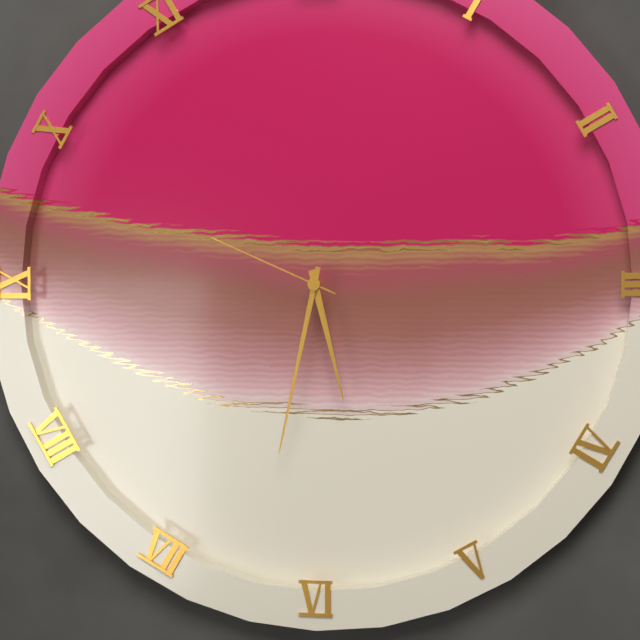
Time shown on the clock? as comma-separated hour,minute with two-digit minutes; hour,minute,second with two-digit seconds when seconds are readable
5,32,49
